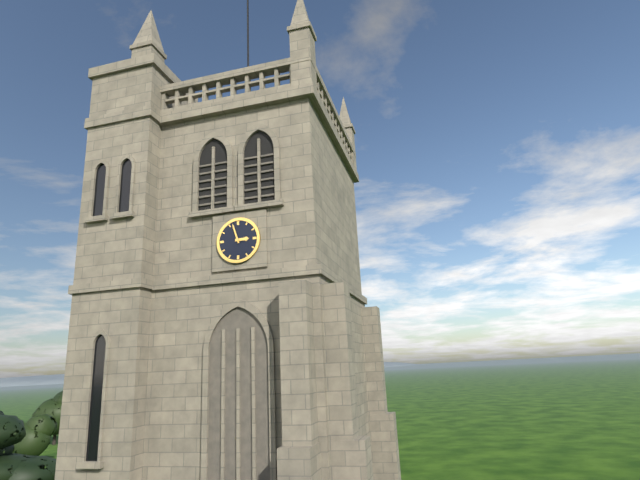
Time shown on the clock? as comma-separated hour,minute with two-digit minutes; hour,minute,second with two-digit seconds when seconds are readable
2,57
